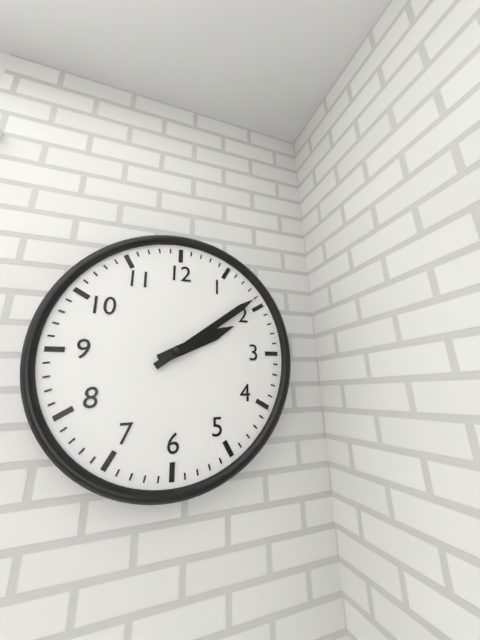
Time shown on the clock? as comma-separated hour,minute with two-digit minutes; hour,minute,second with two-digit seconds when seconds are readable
2,09
